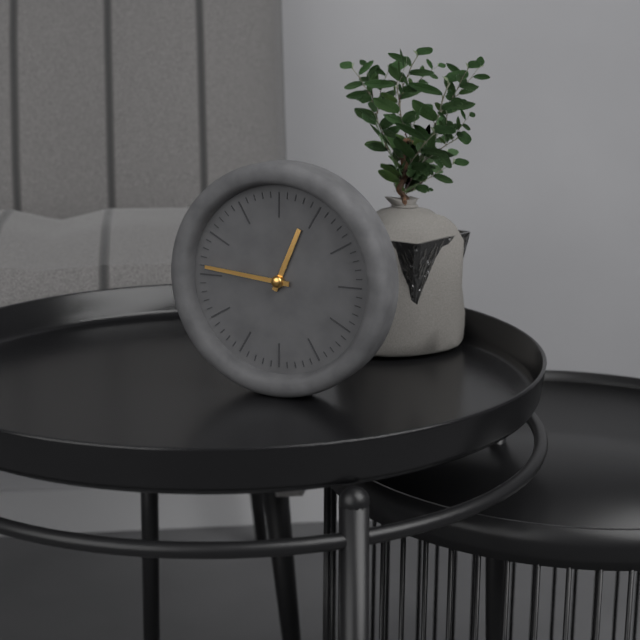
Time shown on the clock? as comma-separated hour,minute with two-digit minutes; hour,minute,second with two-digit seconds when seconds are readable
12,46
